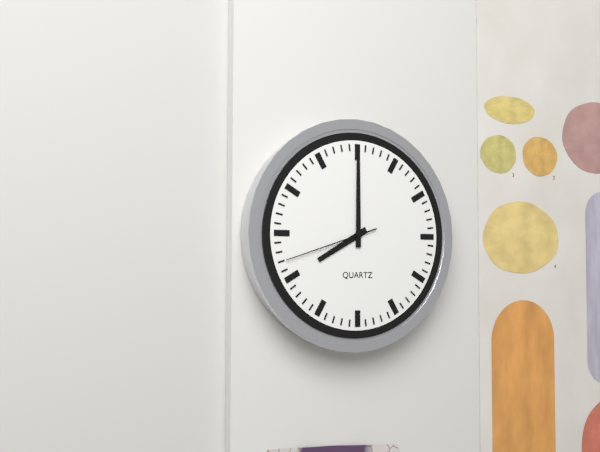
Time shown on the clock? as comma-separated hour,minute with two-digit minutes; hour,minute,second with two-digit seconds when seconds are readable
8,00,42
